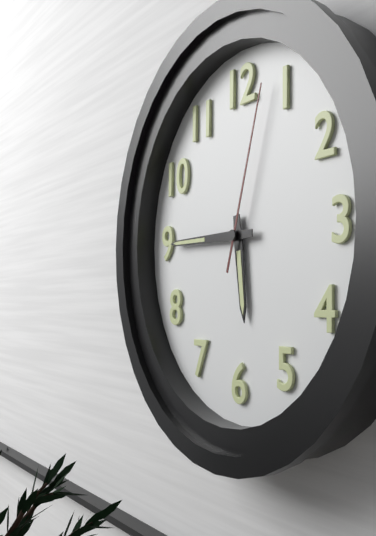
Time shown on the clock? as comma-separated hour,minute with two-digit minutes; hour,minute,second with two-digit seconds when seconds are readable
5,45,03
